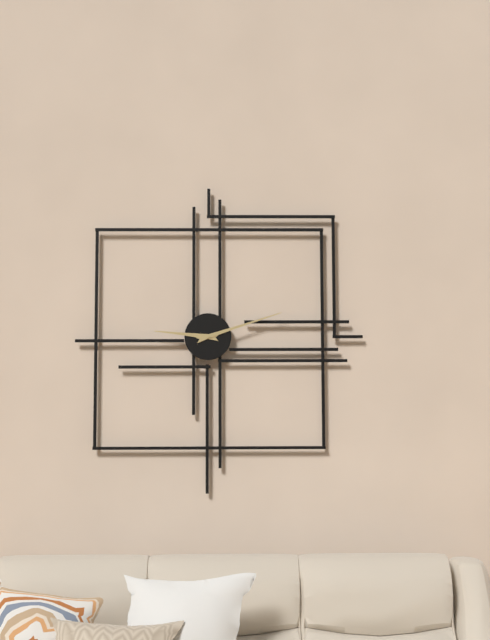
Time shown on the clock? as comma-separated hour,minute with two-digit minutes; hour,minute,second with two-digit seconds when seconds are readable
9,12
